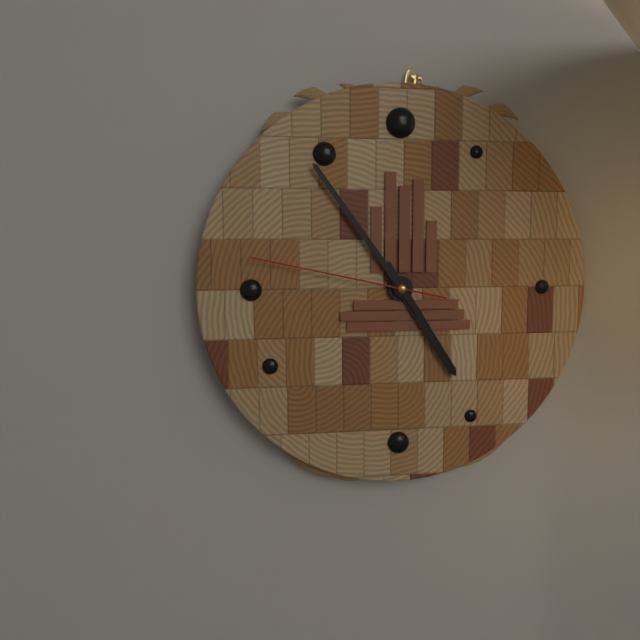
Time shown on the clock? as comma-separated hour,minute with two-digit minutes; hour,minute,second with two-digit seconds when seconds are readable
4,54,47
